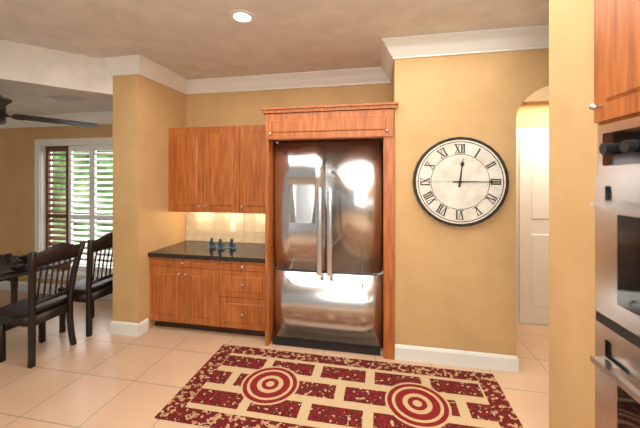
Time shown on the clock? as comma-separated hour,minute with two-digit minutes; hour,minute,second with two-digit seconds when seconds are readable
12,15
